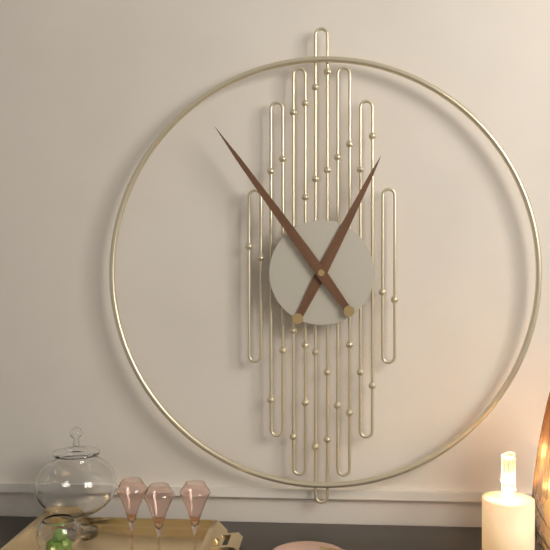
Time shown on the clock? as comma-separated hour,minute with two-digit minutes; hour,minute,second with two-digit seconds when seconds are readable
12,54
